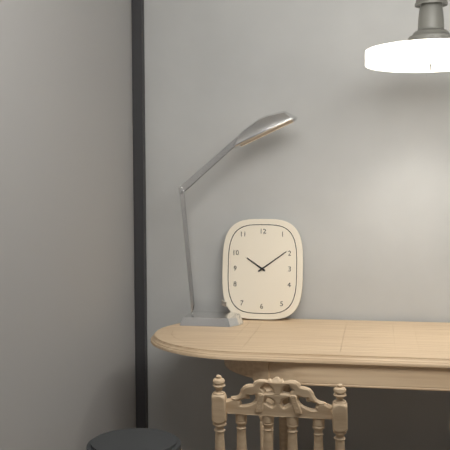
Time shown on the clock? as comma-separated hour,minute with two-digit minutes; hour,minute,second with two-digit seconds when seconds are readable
10,09
